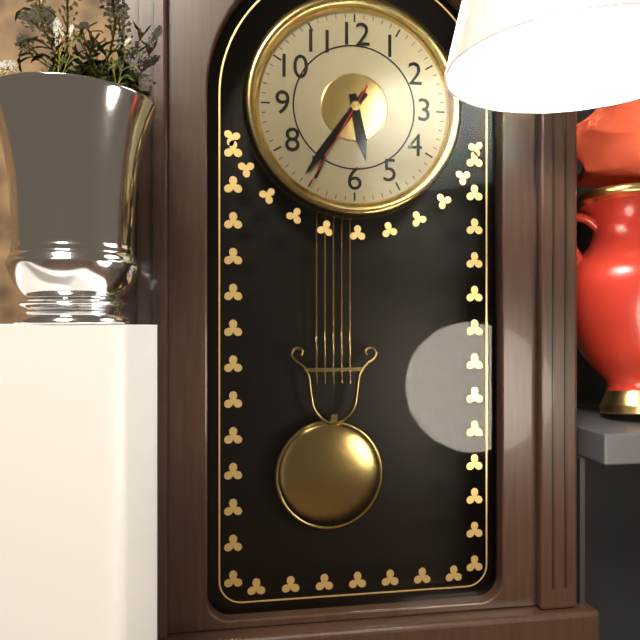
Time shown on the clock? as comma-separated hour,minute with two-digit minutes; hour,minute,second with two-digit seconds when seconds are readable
5,36,35
